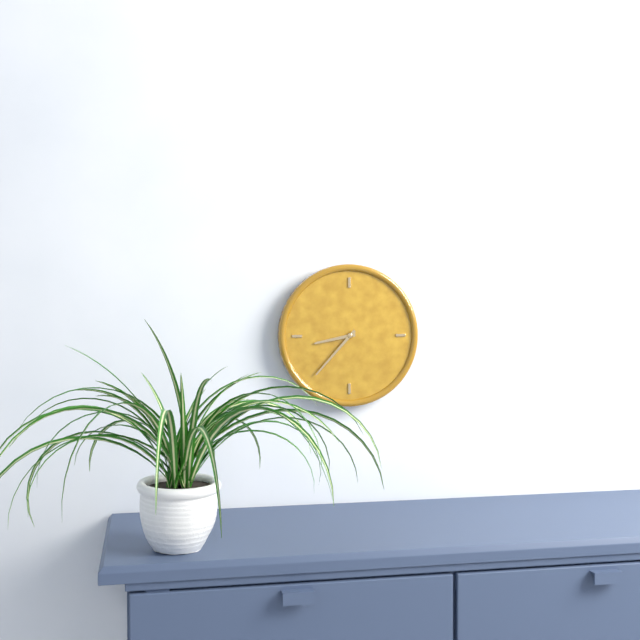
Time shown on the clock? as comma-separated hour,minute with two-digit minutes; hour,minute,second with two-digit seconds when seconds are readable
8,37
